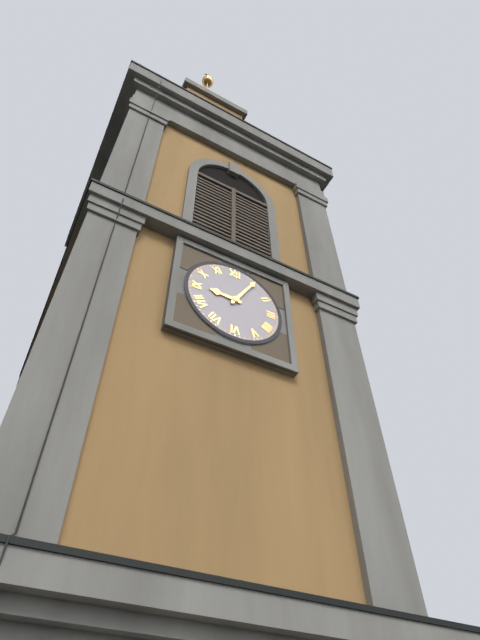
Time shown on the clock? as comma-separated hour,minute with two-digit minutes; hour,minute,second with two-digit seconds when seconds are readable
9,05
